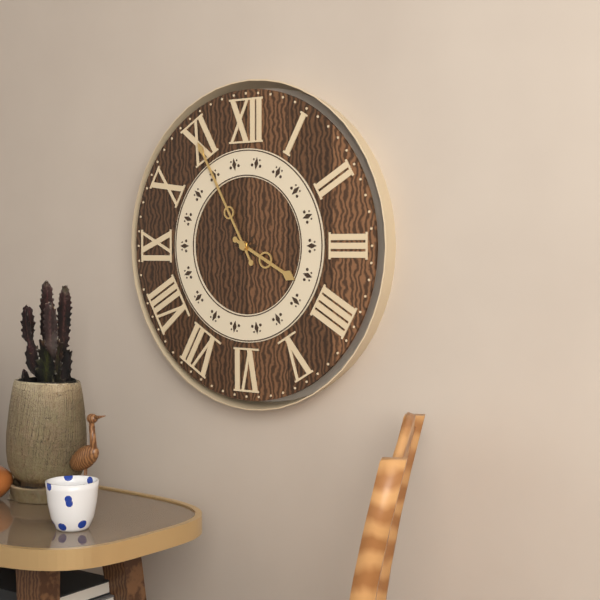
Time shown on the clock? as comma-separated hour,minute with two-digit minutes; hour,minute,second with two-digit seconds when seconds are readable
3,55
